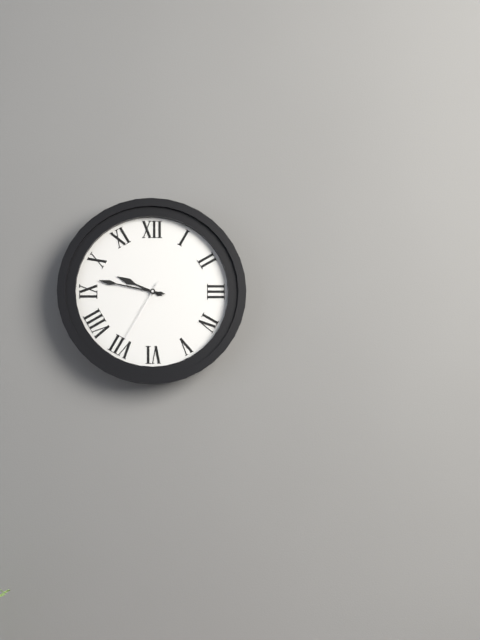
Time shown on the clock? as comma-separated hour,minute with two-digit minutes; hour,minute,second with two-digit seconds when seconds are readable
9,47,35
